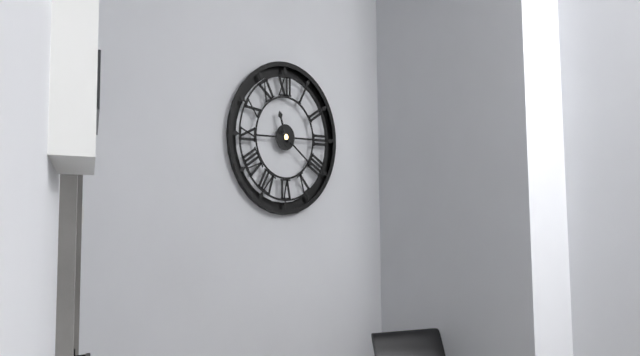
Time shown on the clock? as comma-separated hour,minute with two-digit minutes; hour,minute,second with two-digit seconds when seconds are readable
11,21
